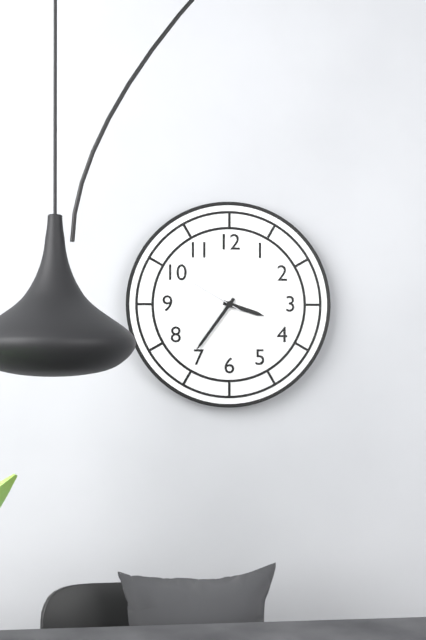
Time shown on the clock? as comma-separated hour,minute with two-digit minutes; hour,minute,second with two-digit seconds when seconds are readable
3,36,50
